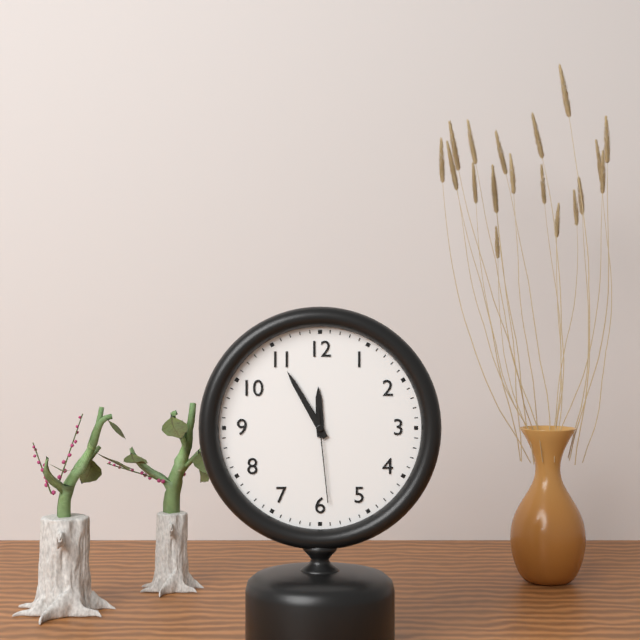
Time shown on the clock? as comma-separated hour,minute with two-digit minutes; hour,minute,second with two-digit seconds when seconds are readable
11,55,29
